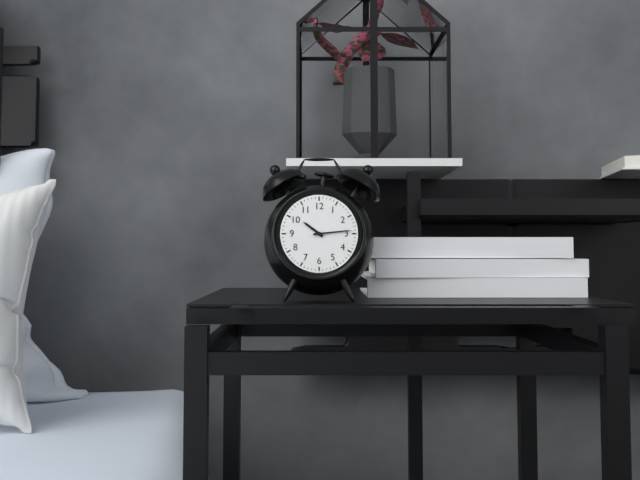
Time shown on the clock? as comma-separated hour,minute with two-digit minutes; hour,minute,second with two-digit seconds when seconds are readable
10,14
